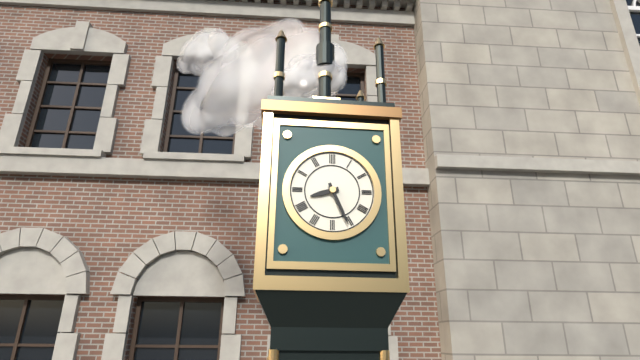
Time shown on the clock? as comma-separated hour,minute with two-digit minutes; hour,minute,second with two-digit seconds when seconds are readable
8,26
